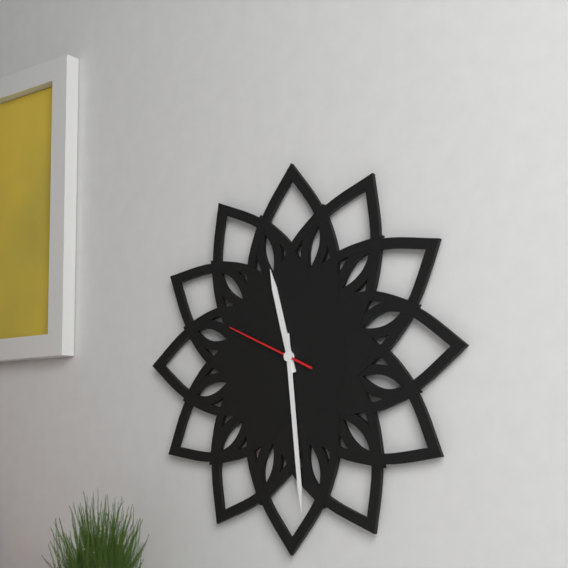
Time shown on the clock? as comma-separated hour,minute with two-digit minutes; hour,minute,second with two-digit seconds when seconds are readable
11,29,49
